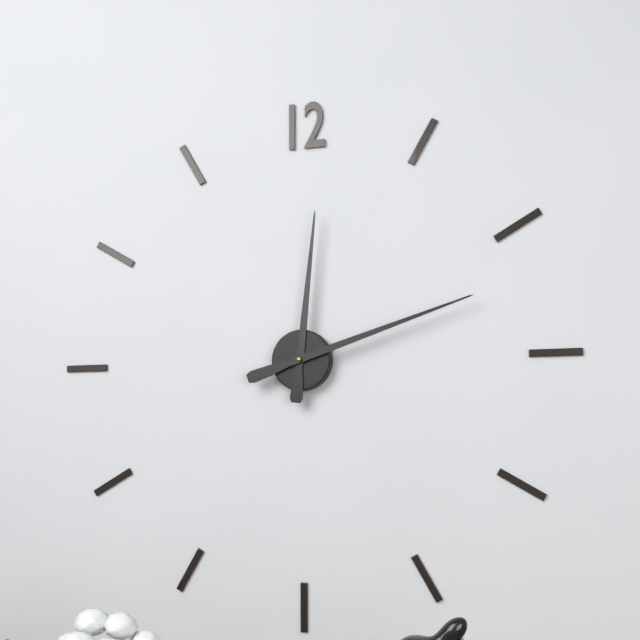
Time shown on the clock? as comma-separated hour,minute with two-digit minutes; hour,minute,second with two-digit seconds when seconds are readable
12,12
